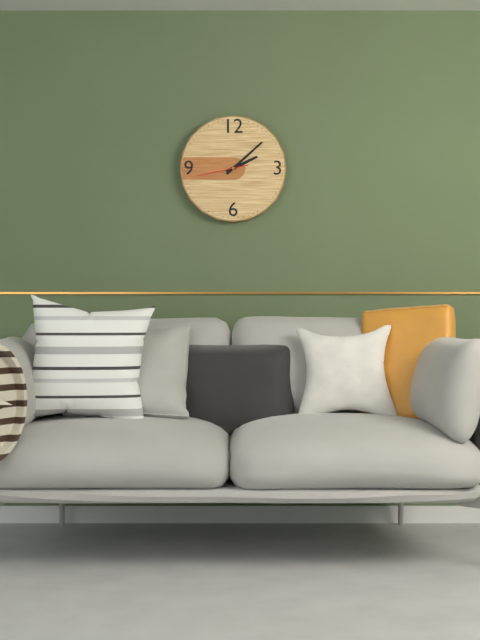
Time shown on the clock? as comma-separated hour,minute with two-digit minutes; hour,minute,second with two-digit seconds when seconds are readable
2,08
